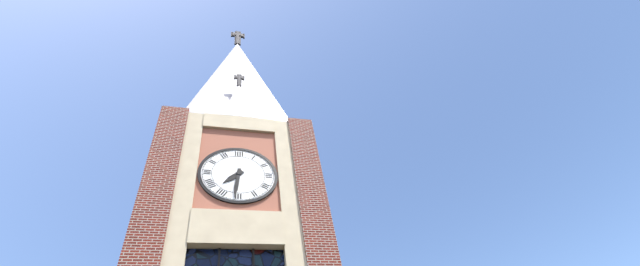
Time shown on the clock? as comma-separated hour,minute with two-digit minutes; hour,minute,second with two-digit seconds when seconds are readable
7,31
